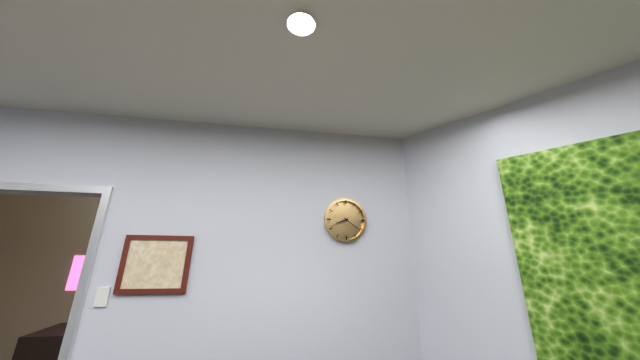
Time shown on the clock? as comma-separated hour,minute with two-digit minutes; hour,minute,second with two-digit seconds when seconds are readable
8,21
